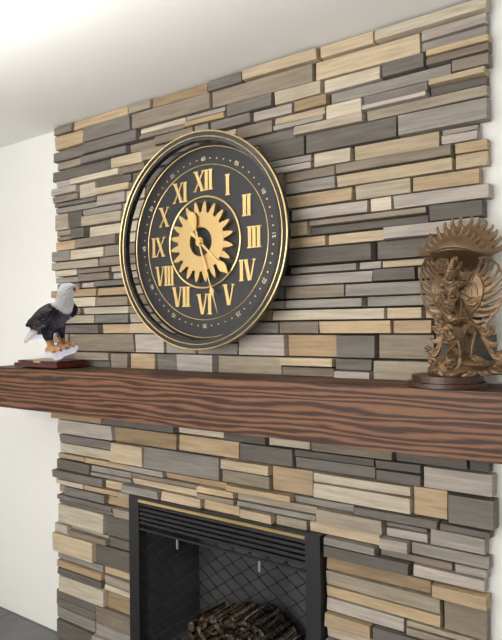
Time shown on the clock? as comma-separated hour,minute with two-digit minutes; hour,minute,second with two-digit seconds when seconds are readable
4,27
